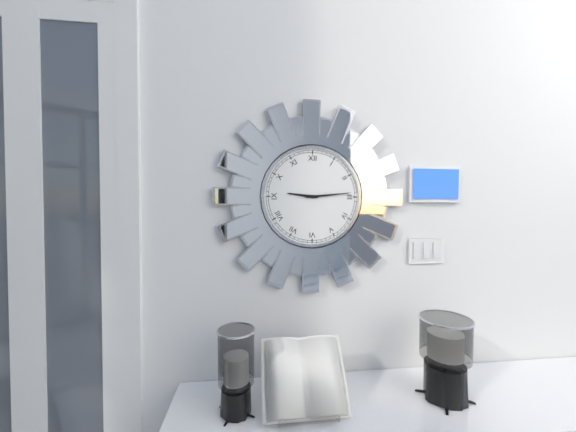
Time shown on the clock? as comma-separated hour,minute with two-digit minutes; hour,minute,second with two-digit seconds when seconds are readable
9,14
